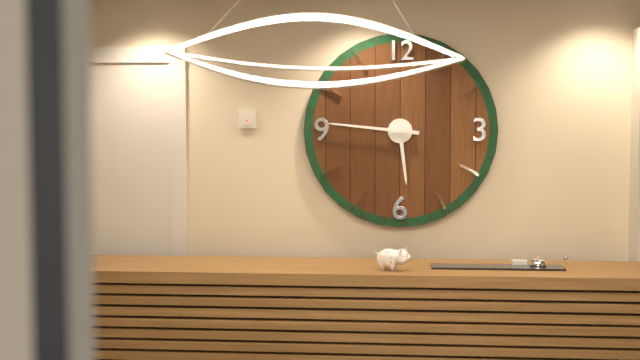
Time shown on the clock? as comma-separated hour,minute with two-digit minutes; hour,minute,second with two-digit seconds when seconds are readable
5,46
